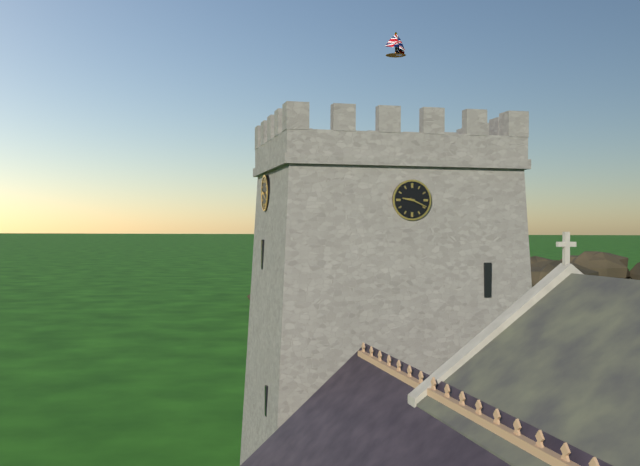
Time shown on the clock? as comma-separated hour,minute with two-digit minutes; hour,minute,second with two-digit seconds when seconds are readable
9,19
